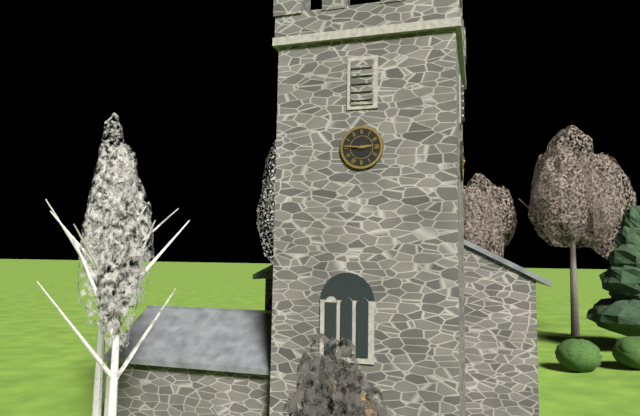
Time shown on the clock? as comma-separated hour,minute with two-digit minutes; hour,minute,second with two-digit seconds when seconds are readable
2,46
